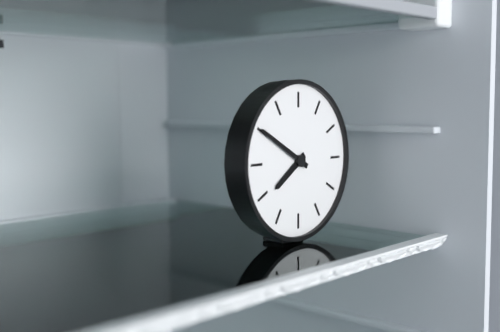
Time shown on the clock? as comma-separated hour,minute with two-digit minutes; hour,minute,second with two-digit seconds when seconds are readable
7,50
